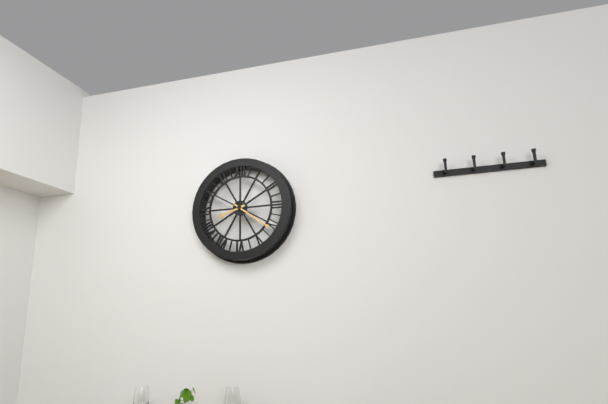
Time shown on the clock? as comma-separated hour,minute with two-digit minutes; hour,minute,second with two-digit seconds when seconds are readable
8,21
